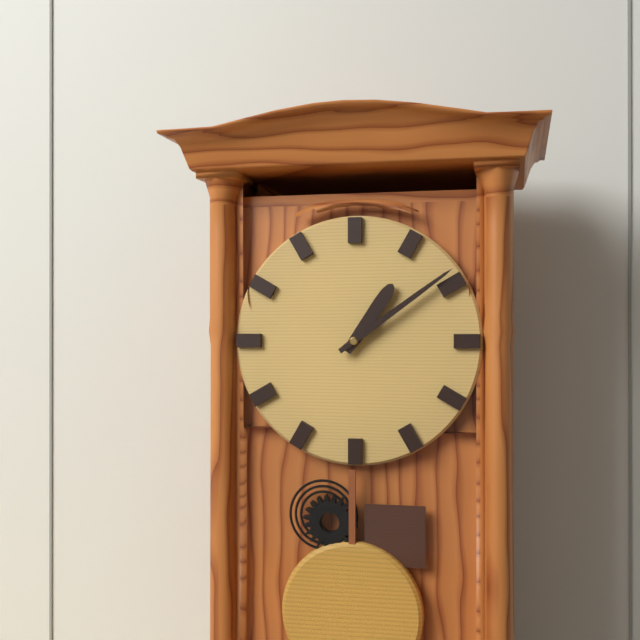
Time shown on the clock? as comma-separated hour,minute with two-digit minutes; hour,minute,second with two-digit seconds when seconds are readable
1,09
